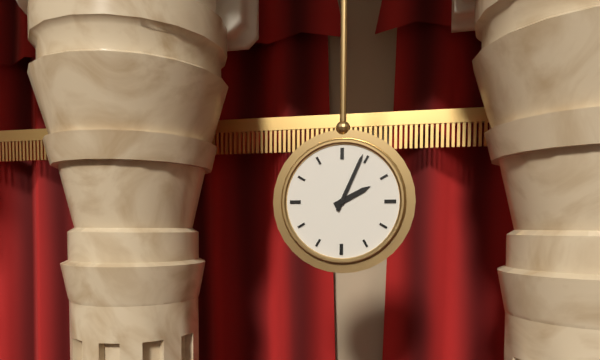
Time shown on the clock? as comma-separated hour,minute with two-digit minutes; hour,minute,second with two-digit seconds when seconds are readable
2,04
